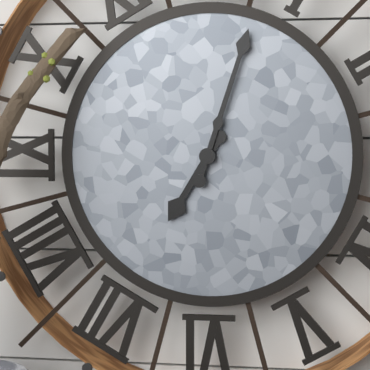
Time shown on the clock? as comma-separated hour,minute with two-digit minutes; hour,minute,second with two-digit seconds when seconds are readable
7,03
